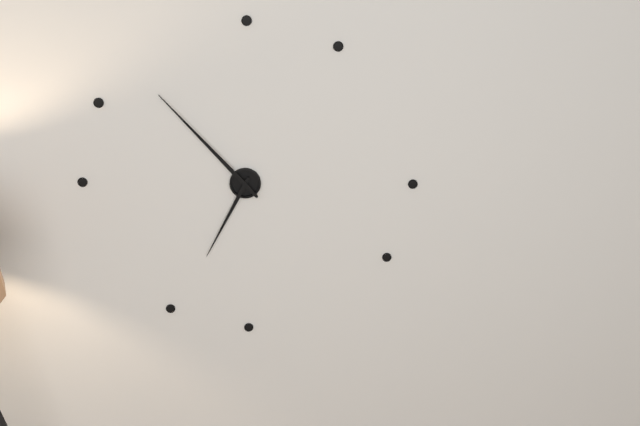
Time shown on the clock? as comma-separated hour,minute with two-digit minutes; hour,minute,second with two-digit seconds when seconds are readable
6,53
